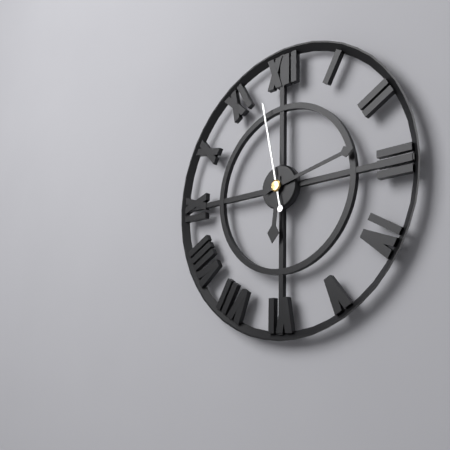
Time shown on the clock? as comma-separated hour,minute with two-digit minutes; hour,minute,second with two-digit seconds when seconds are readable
6,13,58
